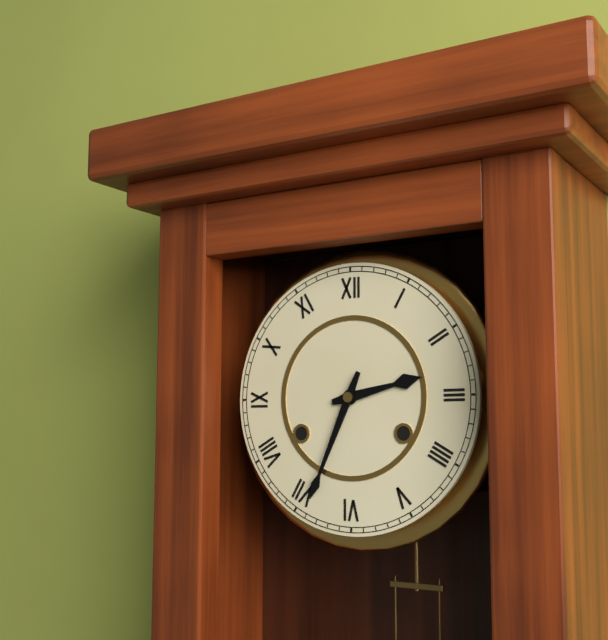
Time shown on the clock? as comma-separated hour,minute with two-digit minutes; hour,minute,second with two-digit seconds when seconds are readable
2,34
